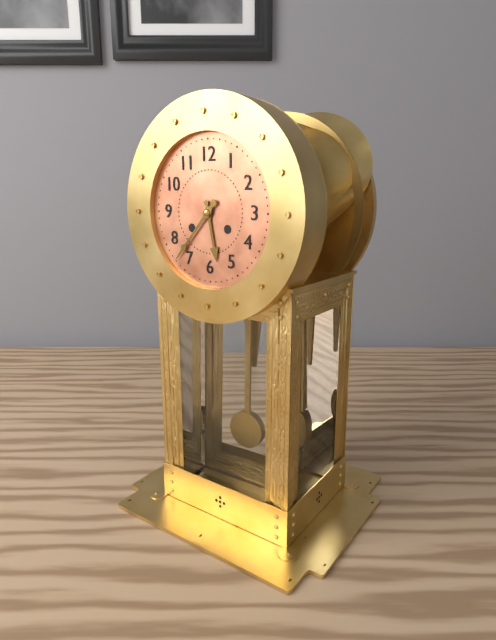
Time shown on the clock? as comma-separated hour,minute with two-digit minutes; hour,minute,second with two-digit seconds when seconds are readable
5,37
